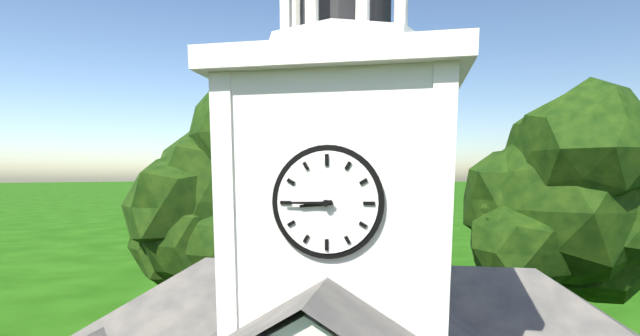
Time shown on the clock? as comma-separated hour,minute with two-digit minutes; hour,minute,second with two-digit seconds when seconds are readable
8,45
